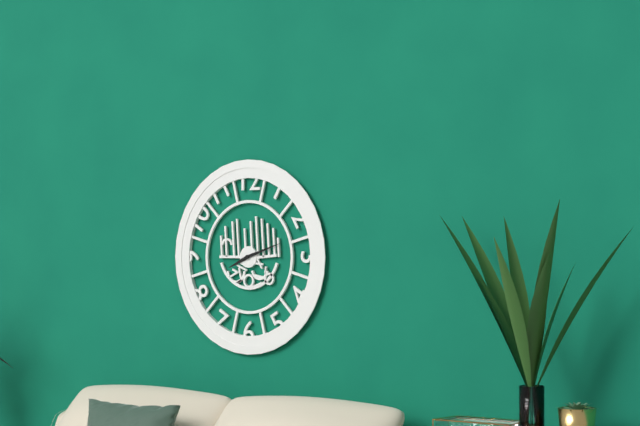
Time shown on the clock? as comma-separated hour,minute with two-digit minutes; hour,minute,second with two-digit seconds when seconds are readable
8,12
